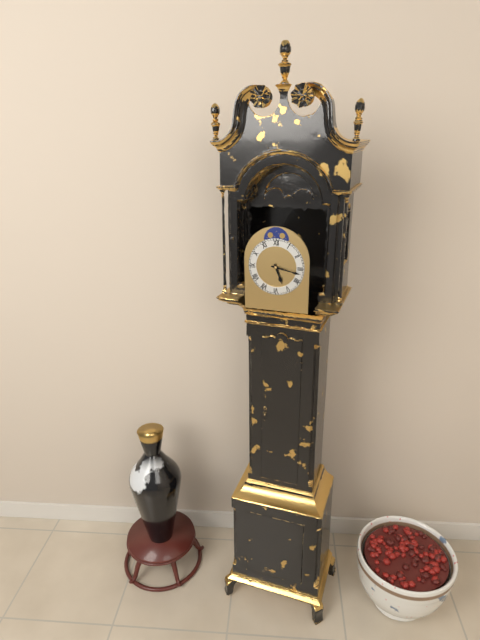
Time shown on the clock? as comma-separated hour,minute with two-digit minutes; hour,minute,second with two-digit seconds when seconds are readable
5,17
